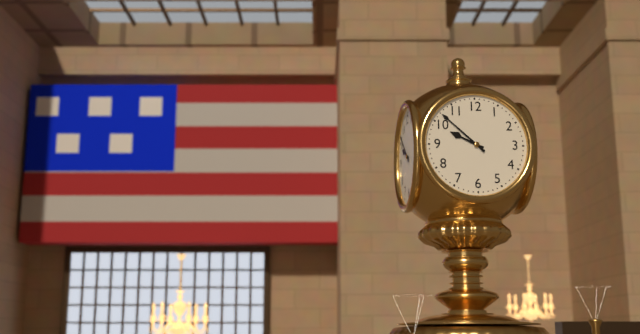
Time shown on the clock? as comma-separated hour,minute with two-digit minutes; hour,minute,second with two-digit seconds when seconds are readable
9,52
